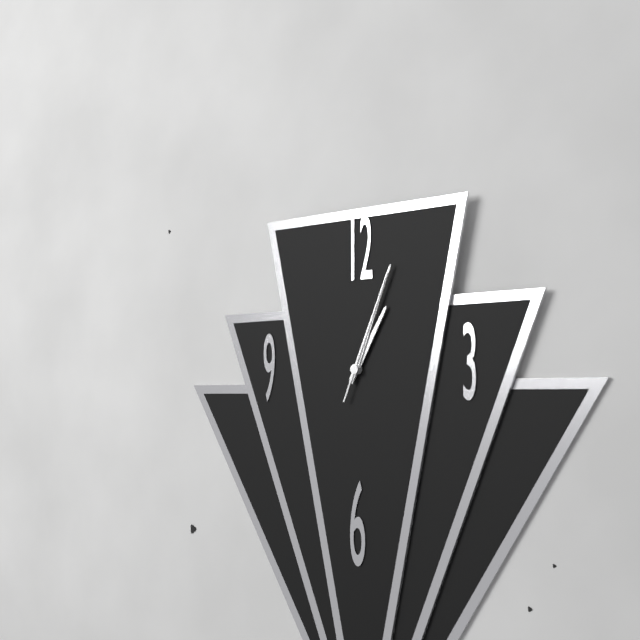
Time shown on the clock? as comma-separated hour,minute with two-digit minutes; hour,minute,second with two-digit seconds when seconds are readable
1,04,04
